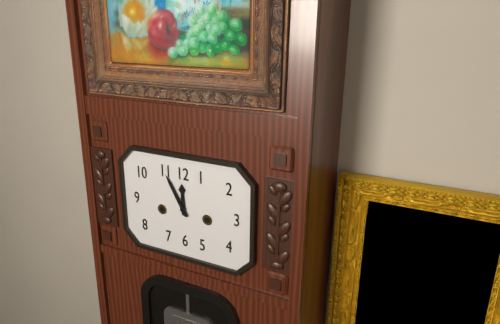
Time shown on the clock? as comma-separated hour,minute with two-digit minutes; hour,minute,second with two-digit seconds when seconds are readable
11,55
